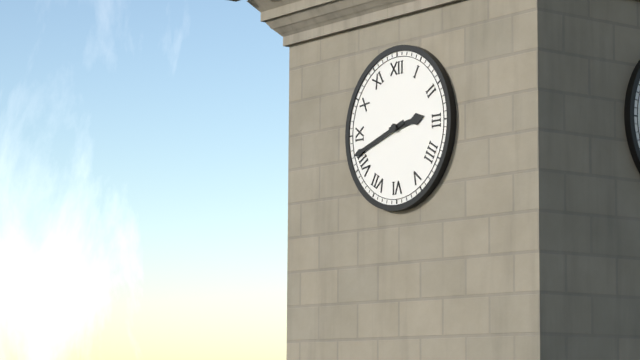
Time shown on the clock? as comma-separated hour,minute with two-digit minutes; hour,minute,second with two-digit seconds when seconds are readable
2,42
